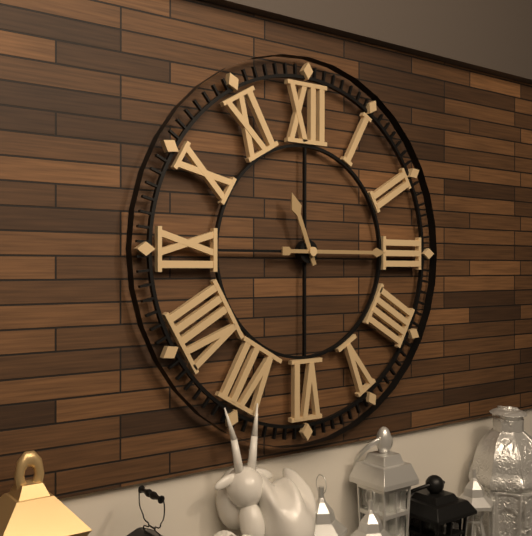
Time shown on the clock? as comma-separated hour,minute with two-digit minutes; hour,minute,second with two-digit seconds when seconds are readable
11,15
